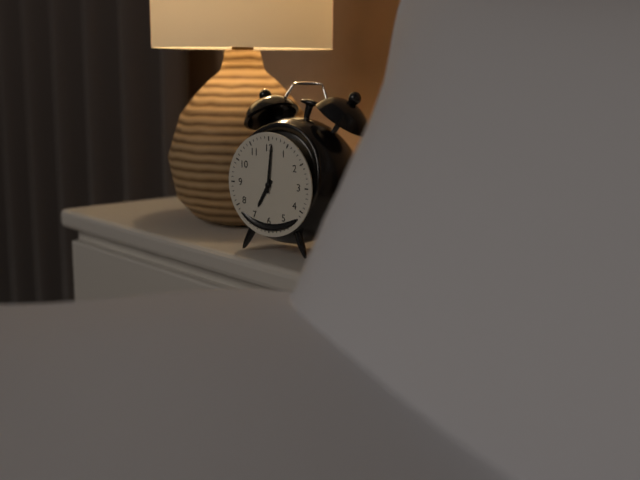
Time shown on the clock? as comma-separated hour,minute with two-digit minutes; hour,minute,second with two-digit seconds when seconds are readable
7,01
